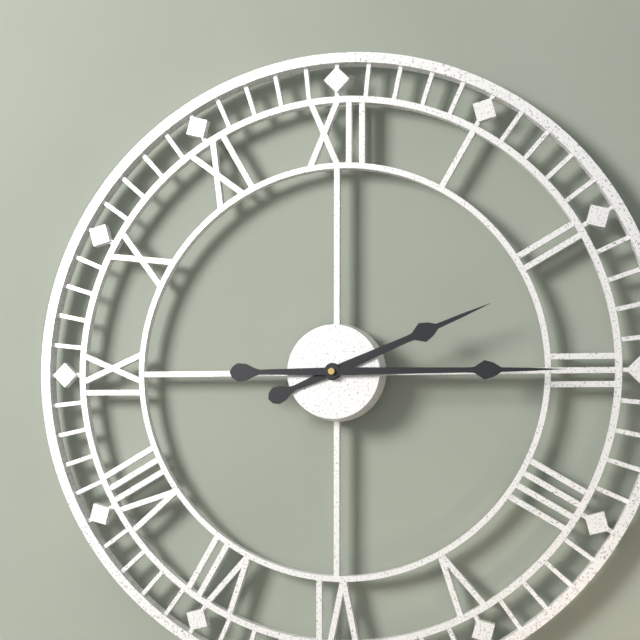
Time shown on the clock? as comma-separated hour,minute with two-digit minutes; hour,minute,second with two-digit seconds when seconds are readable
2,15
